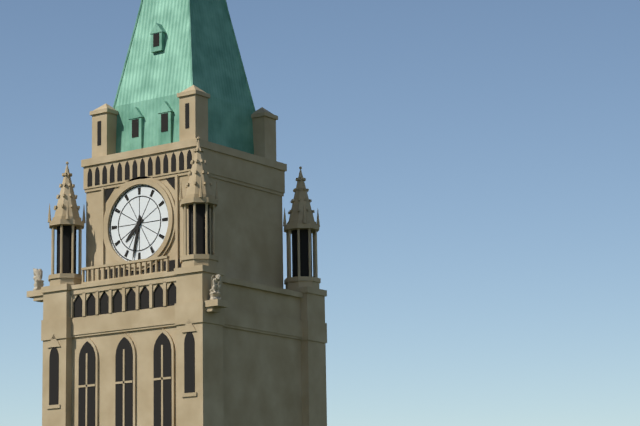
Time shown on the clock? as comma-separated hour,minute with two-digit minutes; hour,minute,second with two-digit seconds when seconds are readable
7,32
